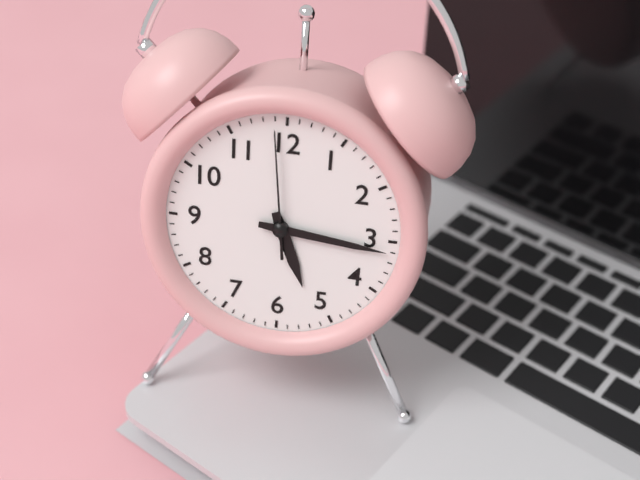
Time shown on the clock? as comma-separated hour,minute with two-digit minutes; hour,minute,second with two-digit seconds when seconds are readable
5,16,59
